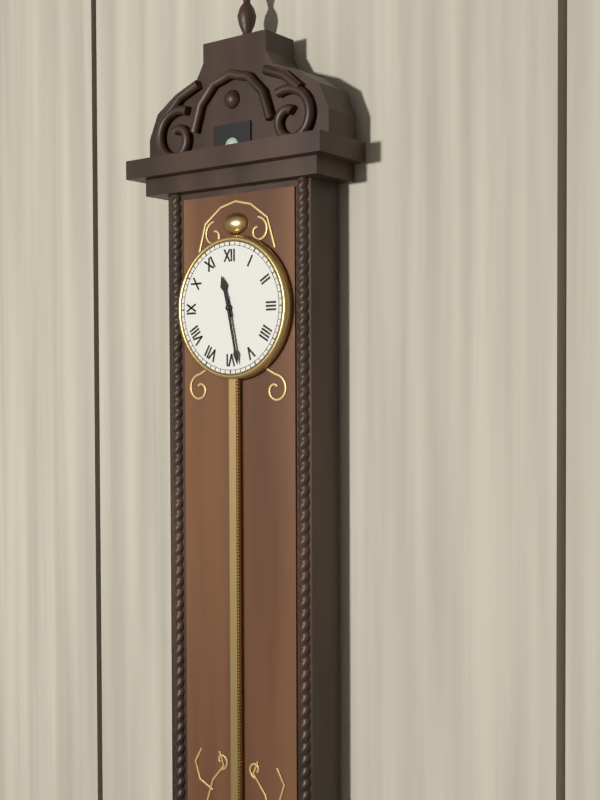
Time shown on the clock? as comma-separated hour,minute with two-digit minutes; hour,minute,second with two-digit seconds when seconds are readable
11,28
